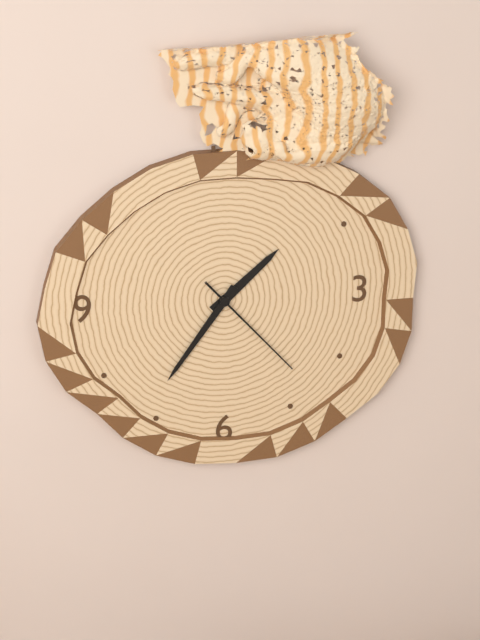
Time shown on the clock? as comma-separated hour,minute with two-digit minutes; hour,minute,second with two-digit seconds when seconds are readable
1,36,23
